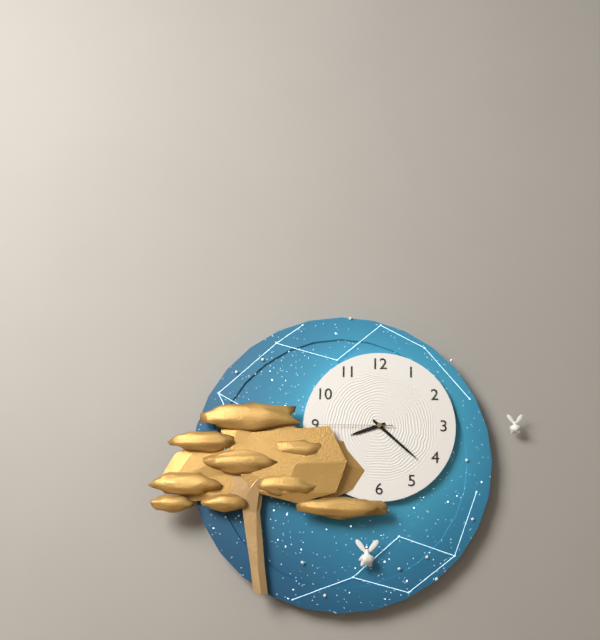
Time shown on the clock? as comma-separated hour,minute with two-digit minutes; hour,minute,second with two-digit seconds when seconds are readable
8,22,45
